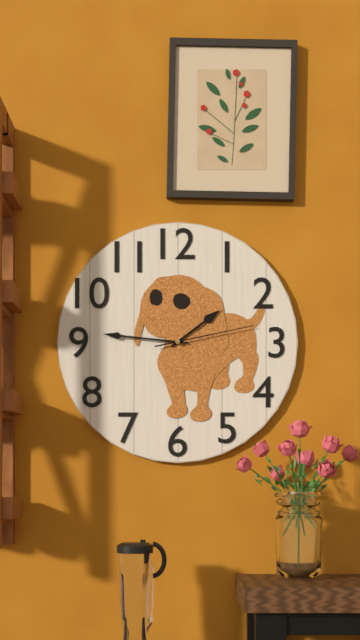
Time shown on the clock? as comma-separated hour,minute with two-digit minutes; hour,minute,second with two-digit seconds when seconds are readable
1,46,13
